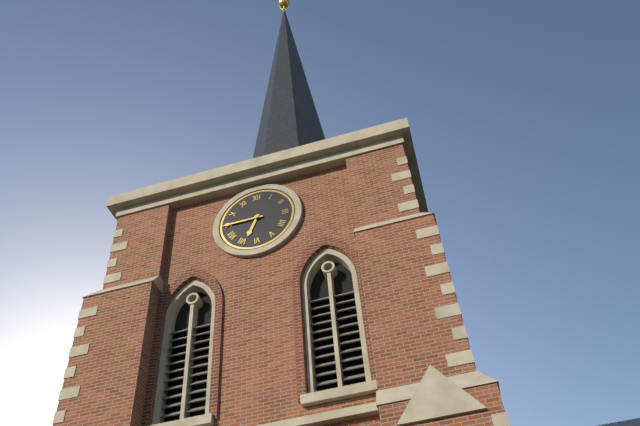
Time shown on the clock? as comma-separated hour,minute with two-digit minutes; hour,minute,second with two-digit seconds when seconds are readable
6,45
